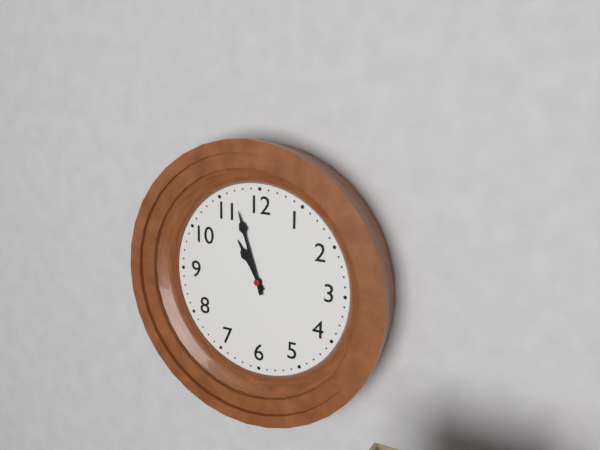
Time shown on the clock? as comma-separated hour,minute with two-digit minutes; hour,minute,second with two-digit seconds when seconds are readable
10,57
